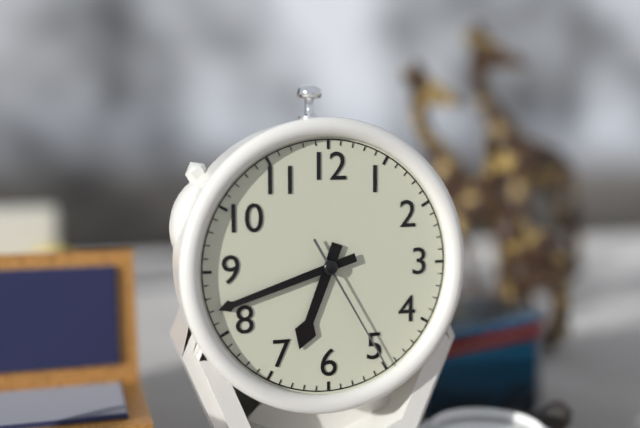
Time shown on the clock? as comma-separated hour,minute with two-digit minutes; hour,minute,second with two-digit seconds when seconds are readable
6,42,25
